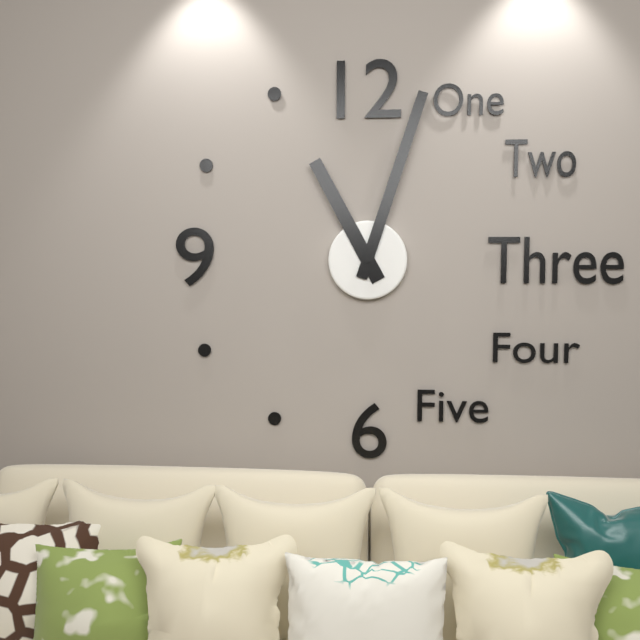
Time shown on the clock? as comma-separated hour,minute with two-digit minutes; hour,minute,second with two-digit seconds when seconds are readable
11,03
